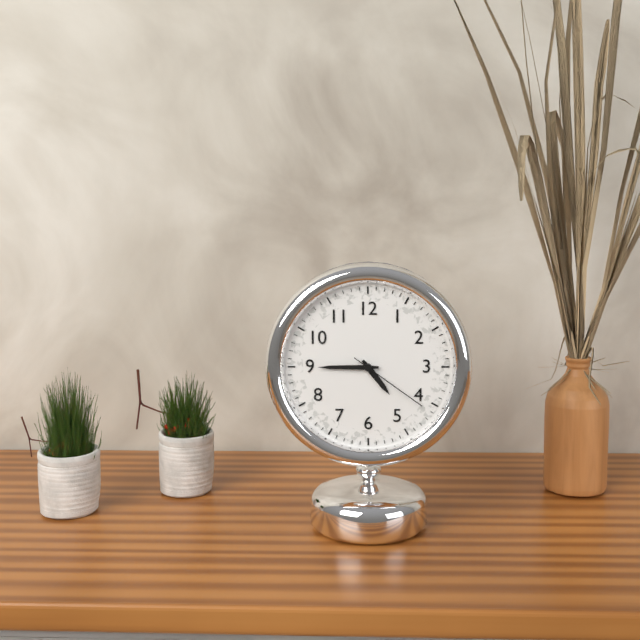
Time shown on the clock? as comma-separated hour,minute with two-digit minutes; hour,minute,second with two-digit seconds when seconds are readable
4,45,21
